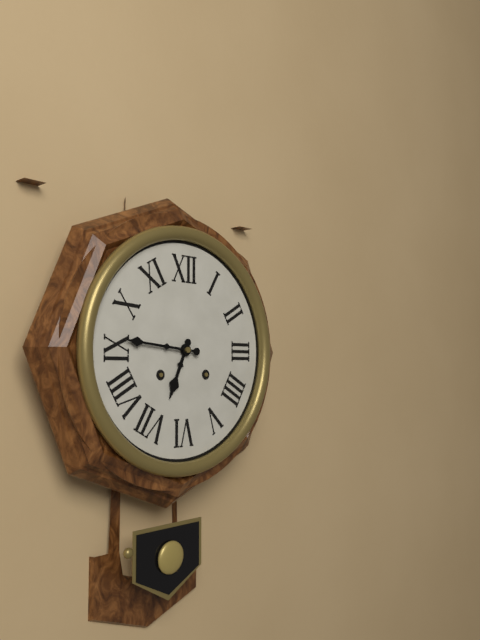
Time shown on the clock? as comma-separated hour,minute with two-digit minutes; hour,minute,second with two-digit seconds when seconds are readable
6,46
